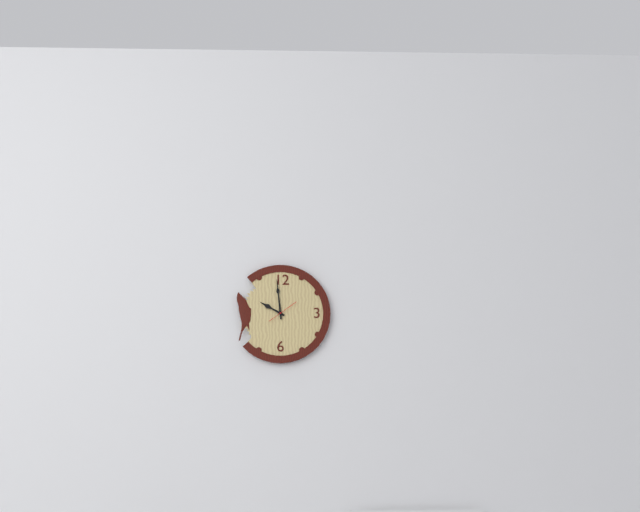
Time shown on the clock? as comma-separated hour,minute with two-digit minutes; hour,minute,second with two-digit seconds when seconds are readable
9,59
